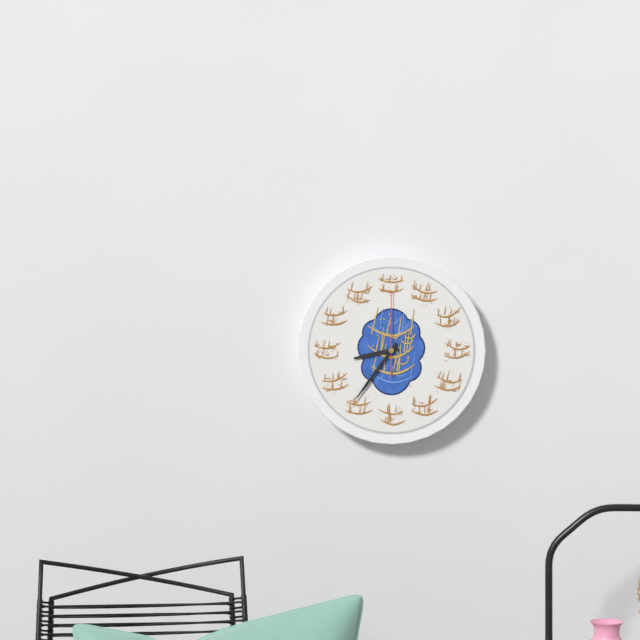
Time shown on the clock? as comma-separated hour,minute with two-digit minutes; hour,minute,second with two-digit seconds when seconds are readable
8,36,00
